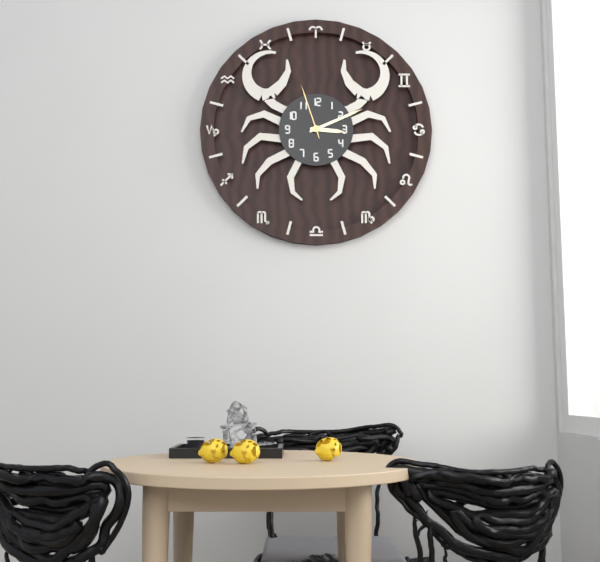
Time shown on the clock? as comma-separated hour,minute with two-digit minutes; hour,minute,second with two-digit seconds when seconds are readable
3,11,57
